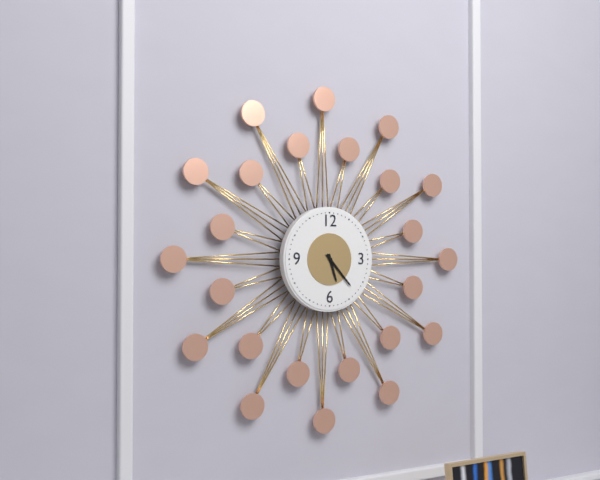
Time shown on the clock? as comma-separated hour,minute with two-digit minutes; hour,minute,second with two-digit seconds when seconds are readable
5,23
